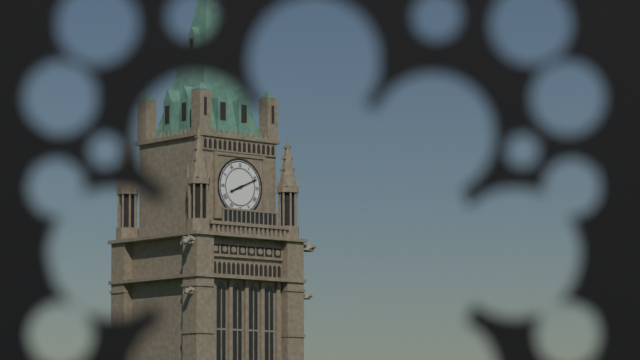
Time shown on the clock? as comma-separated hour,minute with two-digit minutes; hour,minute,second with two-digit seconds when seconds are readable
8,11
